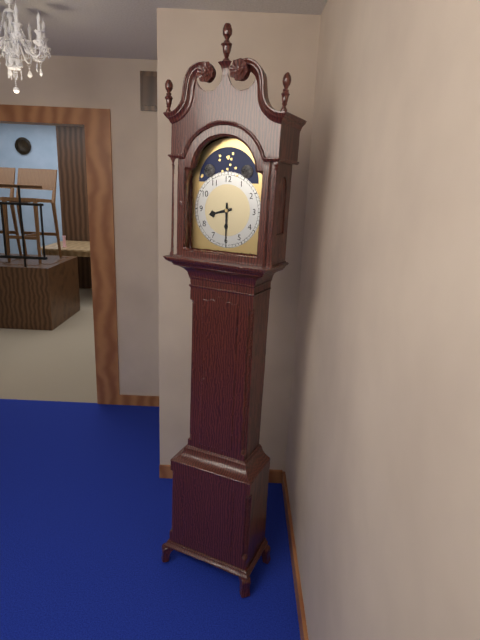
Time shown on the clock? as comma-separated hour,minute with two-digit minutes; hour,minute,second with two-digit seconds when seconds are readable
8,30
